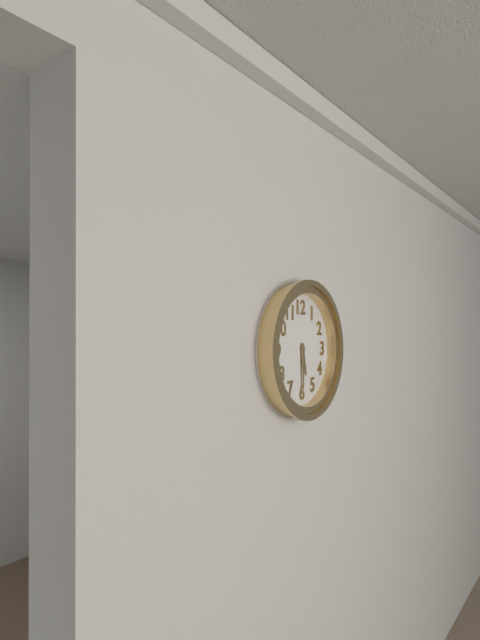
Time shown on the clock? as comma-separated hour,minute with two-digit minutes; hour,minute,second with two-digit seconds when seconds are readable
5,30
